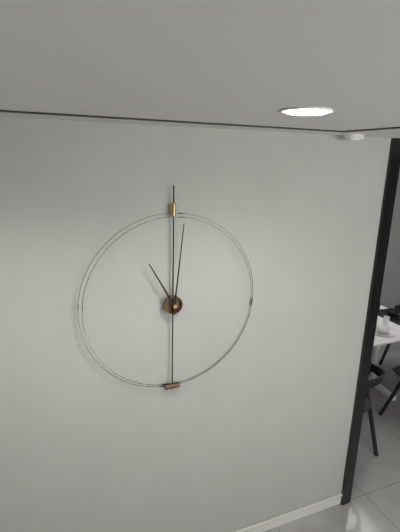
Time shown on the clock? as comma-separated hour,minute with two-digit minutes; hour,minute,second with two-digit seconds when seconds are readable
11,01
